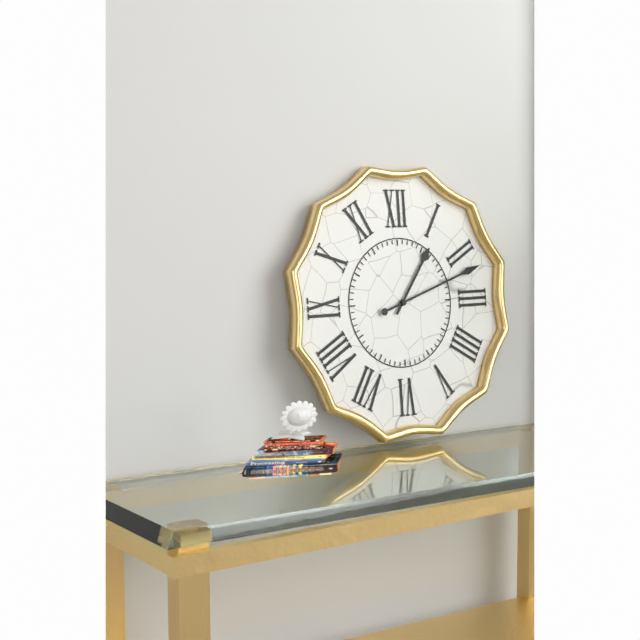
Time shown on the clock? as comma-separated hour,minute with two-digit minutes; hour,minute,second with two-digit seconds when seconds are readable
1,12
